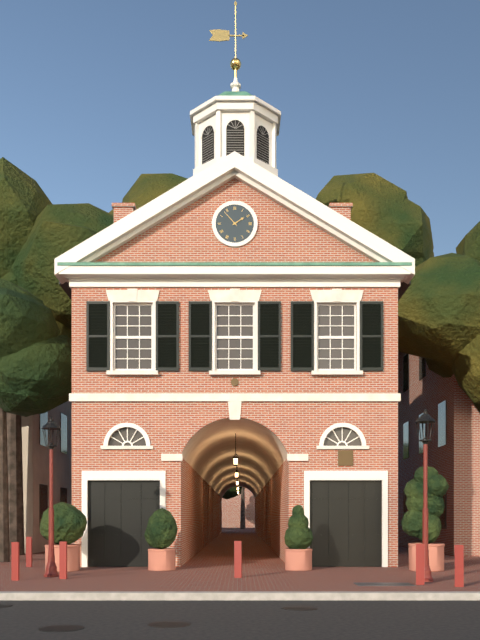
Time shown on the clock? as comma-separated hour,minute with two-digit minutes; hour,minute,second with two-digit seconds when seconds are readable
1,53
